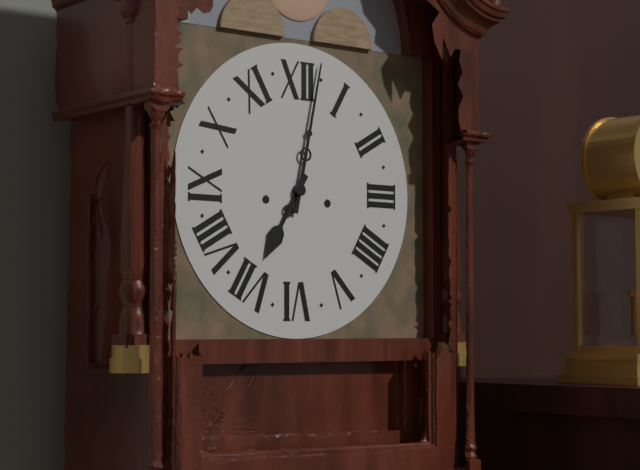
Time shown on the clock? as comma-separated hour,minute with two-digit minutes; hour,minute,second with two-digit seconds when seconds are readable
7,02
